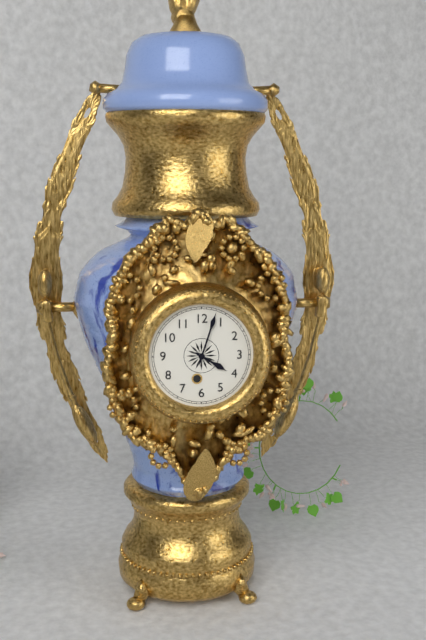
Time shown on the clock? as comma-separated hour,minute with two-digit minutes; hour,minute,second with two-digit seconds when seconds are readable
4,03
